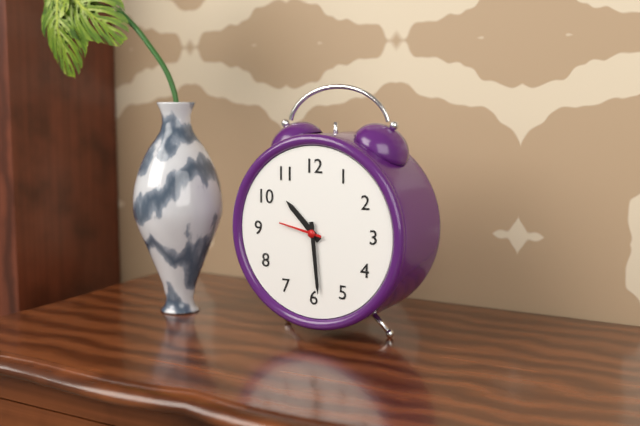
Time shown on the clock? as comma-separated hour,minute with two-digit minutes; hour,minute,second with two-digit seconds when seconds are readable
10,29
